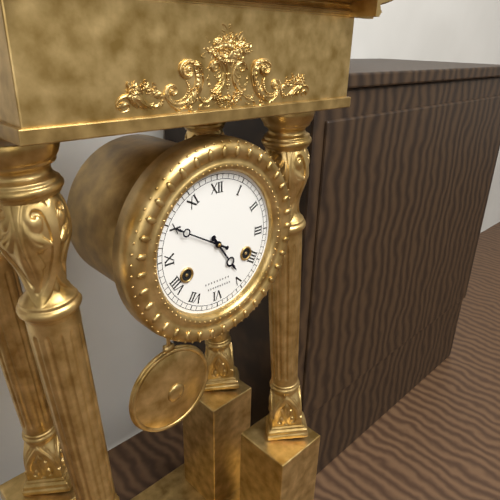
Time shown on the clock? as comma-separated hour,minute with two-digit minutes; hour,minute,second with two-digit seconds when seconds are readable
4,50
